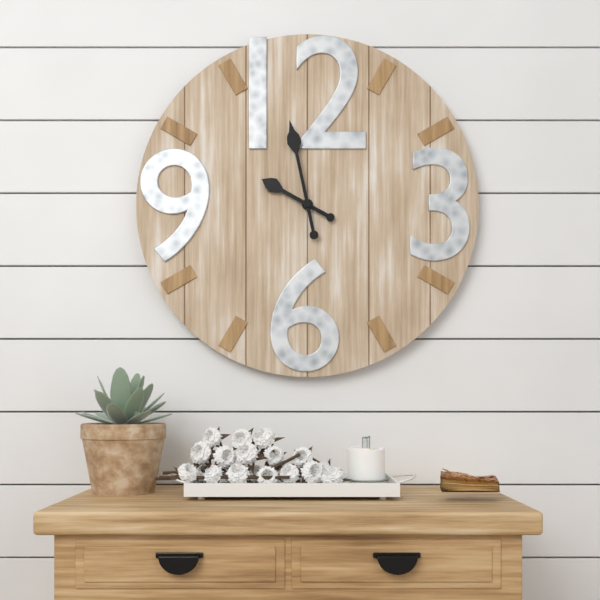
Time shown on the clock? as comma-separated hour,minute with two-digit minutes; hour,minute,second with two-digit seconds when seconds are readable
9,58
